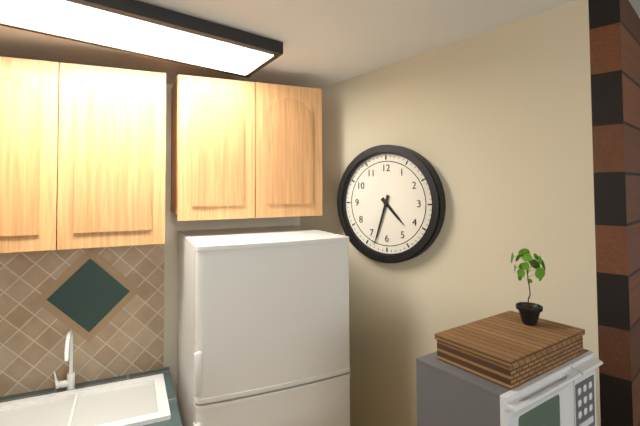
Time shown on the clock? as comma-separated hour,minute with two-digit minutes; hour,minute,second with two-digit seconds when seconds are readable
4,33
